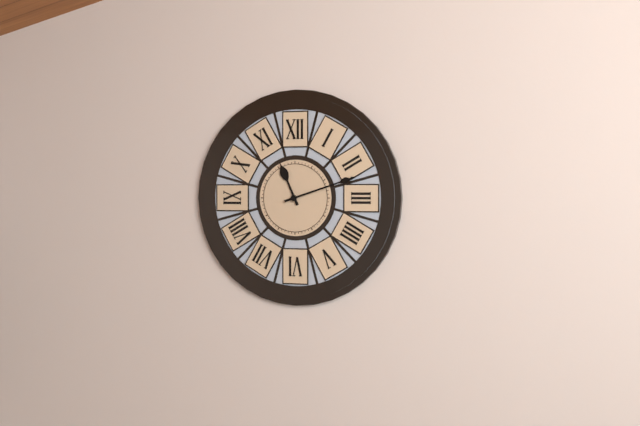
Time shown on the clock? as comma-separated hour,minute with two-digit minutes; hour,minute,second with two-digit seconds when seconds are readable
11,12
